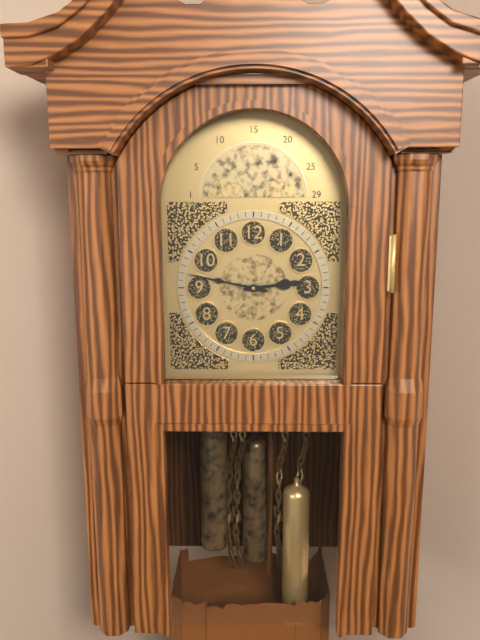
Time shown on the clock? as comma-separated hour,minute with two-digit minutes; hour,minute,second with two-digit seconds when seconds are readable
2,47
